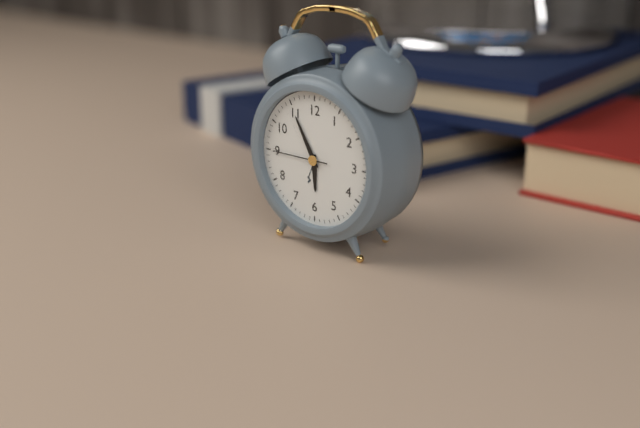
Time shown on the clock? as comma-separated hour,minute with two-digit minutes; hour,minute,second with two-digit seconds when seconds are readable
5,55,45
